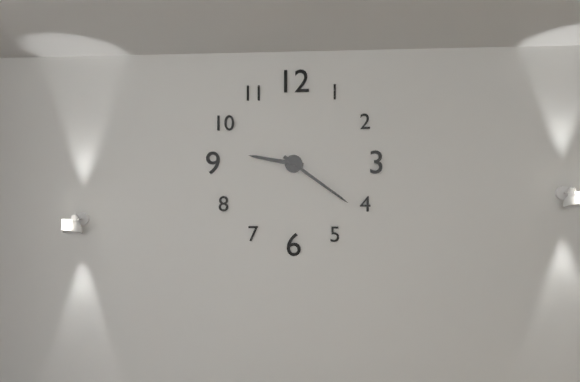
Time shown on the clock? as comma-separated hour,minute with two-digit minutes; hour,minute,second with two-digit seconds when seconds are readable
9,21
